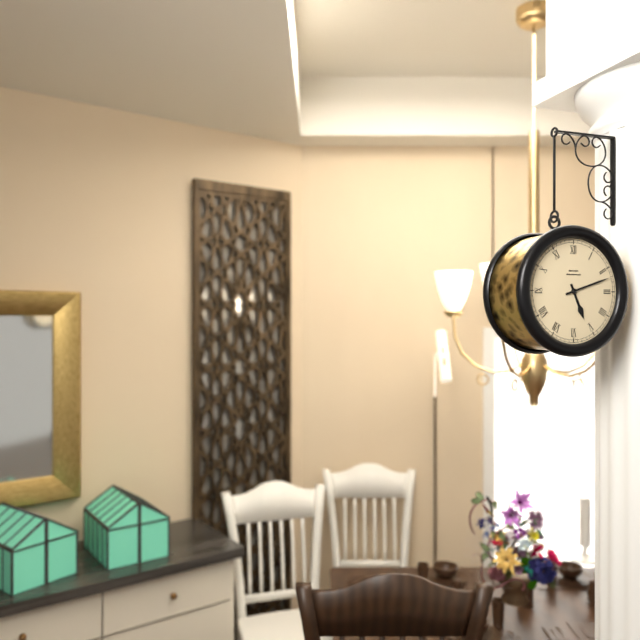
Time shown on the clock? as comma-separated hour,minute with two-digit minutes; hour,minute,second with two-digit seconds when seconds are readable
5,12
